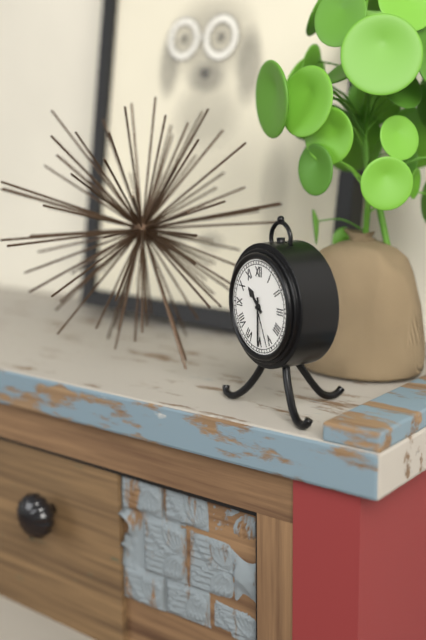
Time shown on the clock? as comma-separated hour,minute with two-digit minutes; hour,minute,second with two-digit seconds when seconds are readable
10,30,26
